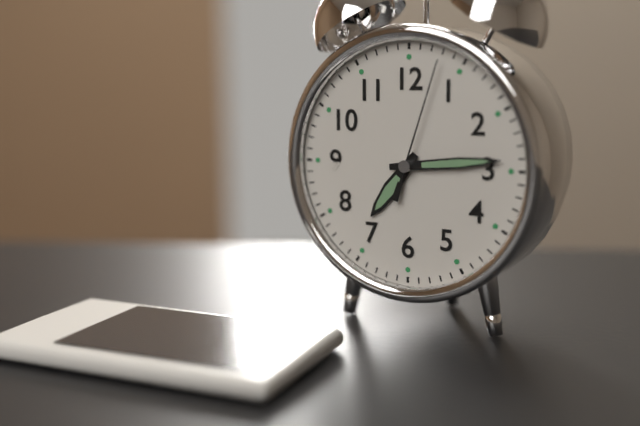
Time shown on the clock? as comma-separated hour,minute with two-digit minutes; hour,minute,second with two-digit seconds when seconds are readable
7,14,03
